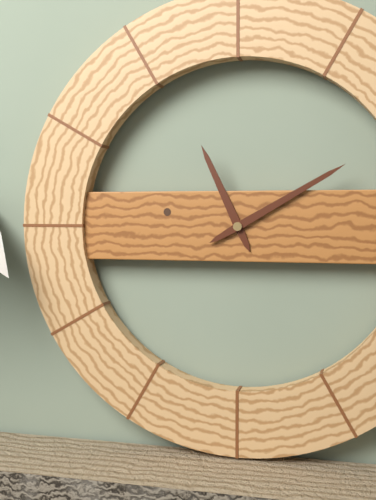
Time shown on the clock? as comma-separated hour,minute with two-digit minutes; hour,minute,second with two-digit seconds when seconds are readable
11,10
